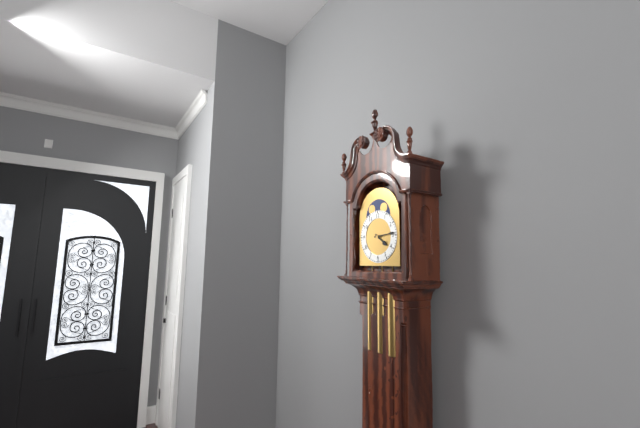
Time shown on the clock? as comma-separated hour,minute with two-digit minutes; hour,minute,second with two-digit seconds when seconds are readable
4,14
